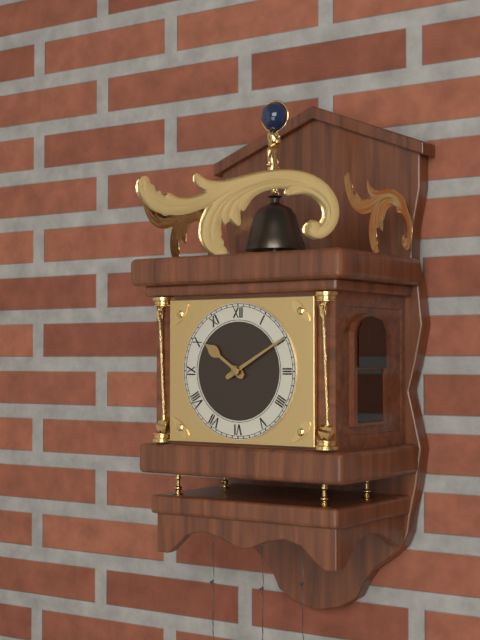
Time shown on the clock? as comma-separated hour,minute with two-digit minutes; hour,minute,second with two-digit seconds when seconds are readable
10,10
